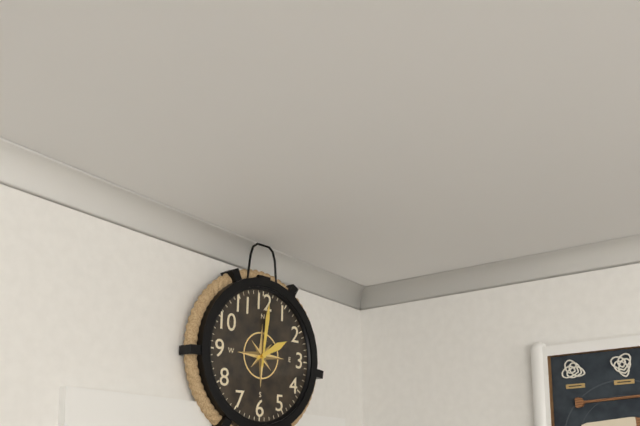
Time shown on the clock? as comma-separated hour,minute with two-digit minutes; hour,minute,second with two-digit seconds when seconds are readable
2,01
